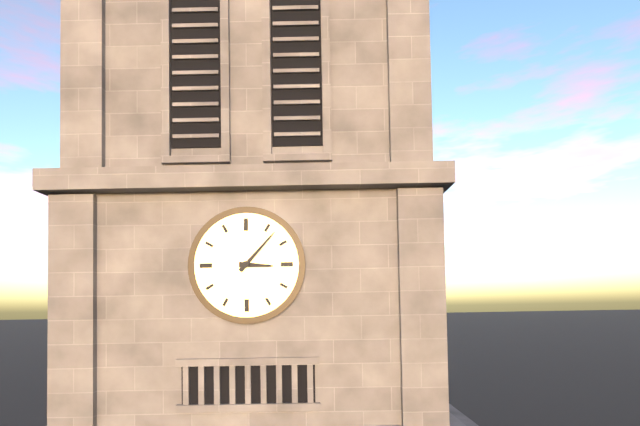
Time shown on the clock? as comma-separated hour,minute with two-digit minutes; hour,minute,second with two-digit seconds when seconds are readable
3,07
